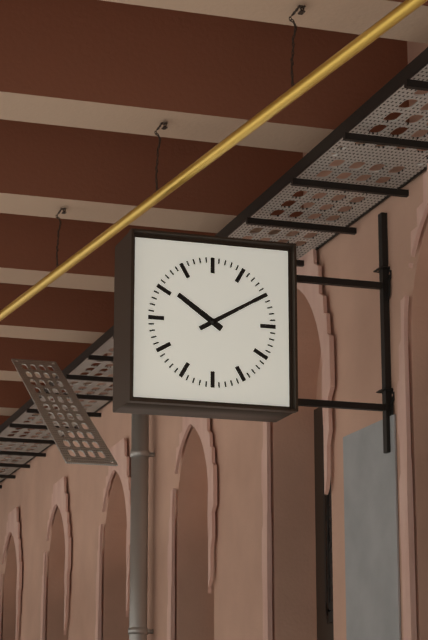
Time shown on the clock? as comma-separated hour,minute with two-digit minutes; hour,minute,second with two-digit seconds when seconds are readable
10,10
